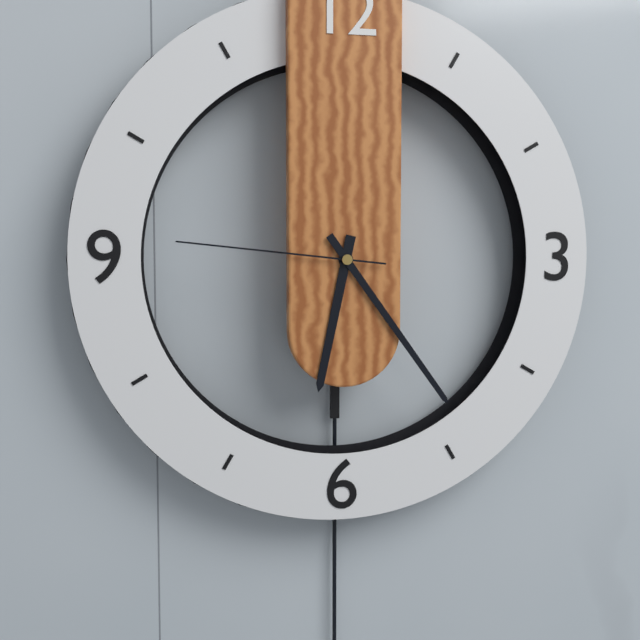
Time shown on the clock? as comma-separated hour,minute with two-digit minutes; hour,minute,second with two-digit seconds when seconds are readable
6,24,46
